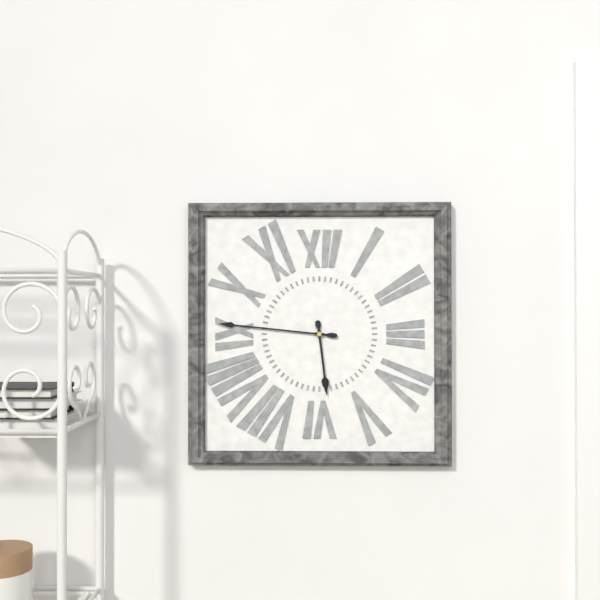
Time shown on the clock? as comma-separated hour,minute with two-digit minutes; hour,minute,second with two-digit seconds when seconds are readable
5,46
